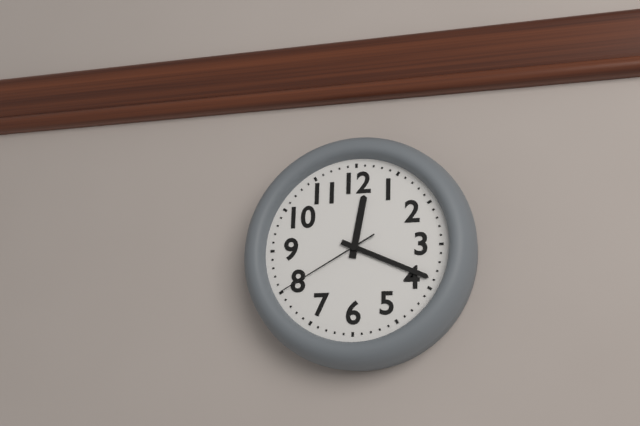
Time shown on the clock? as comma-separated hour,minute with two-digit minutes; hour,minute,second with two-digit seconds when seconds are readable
12,19,40
